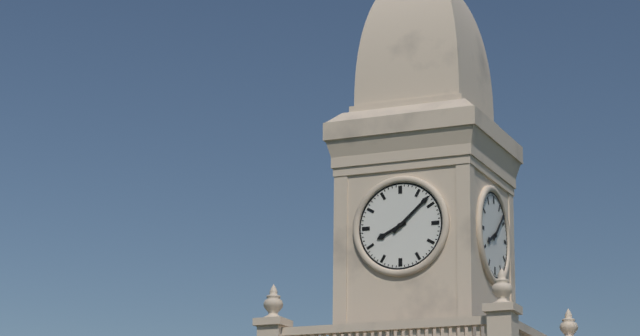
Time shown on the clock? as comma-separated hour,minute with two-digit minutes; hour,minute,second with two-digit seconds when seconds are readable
8,08
